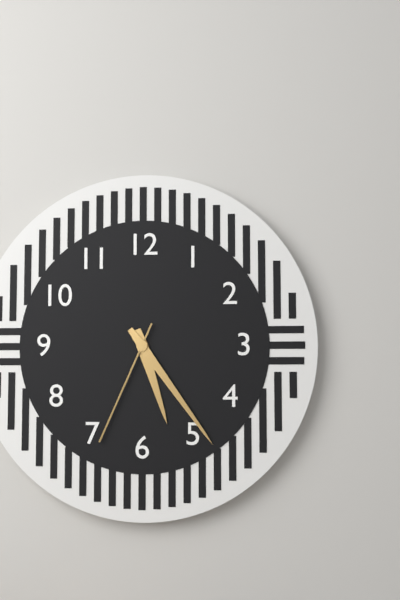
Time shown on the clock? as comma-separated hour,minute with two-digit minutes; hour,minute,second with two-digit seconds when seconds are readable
5,24,34
